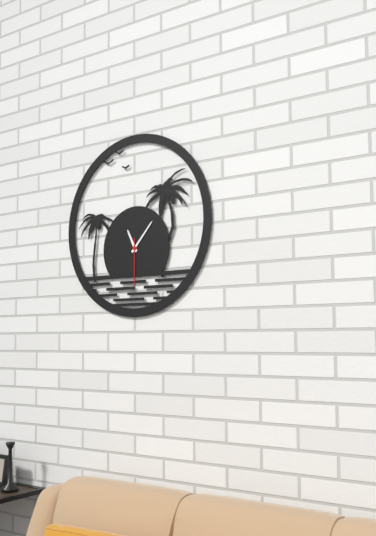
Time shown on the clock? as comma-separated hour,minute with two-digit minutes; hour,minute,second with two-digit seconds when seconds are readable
11,07
